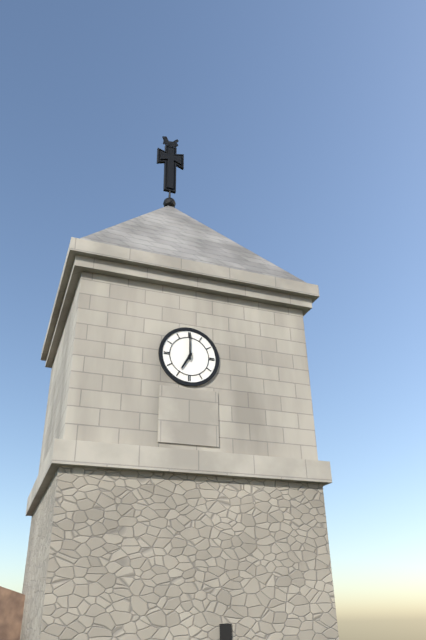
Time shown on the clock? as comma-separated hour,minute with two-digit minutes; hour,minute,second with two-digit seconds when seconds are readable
7,00
